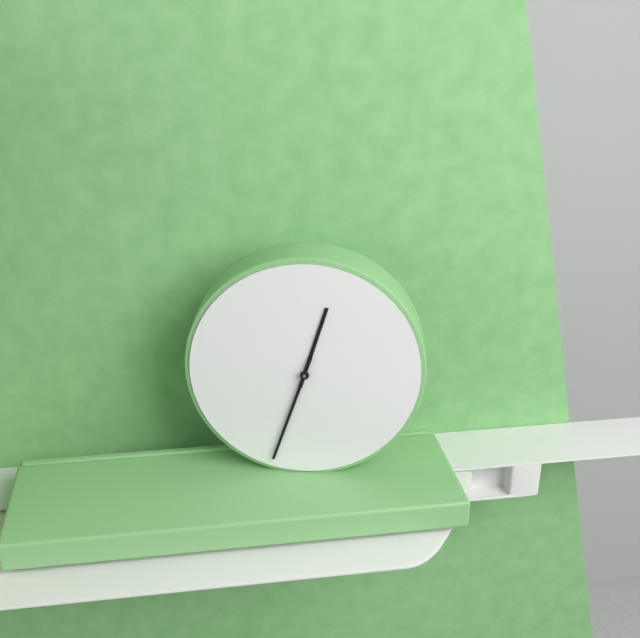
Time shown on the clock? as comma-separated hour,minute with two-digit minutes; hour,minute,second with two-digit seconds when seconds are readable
12,33
